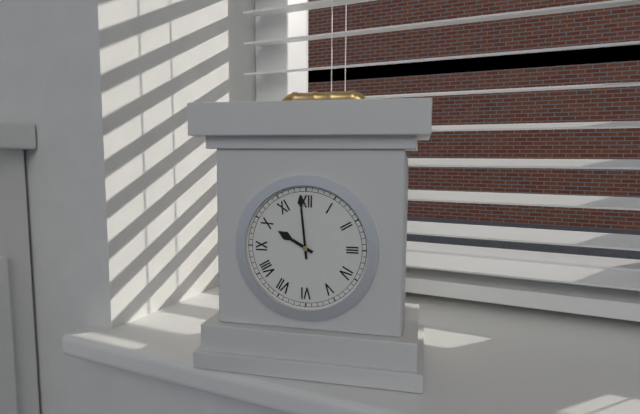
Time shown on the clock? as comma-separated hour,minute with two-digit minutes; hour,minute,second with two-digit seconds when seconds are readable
9,59
